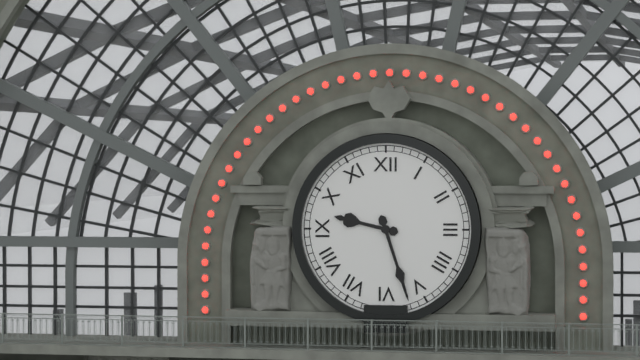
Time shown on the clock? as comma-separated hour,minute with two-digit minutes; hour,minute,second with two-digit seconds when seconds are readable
9,27
